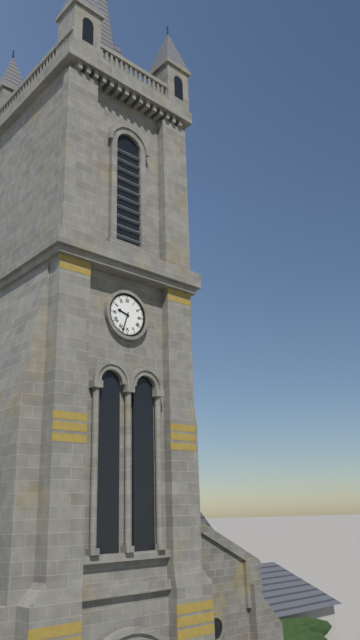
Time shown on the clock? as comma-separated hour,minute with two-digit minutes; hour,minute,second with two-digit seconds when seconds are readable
9,33
